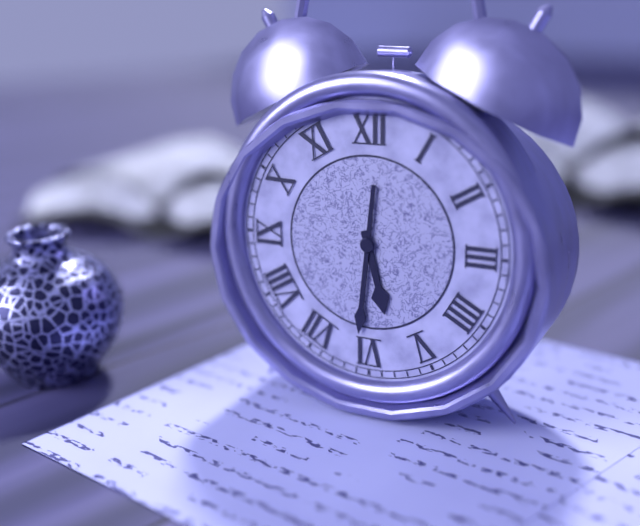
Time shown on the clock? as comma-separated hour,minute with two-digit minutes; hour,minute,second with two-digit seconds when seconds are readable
5,31
